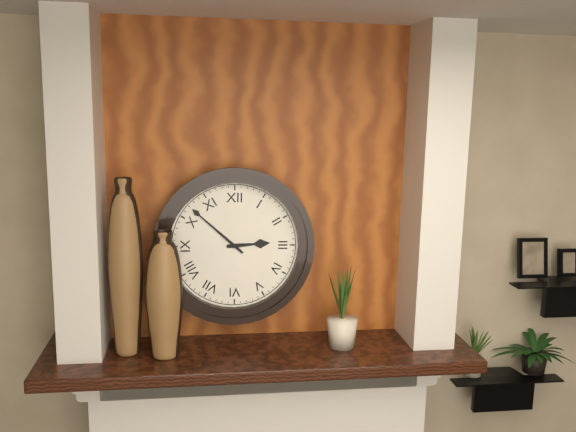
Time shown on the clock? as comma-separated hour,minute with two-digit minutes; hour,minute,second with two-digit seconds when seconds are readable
2,52
